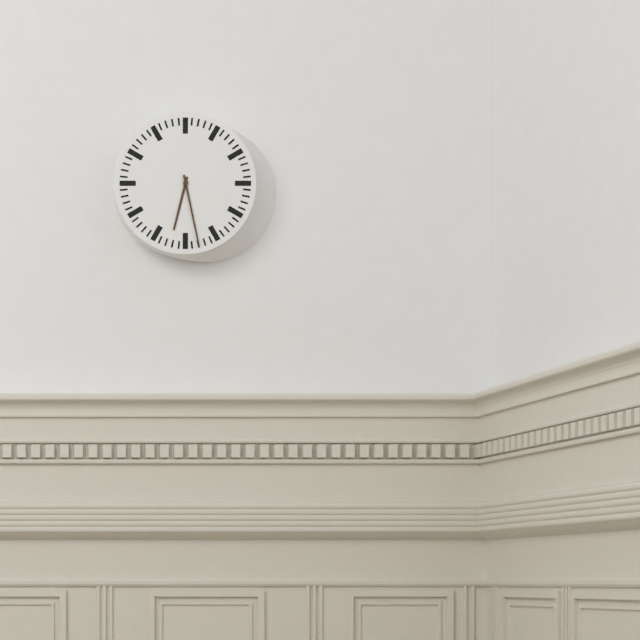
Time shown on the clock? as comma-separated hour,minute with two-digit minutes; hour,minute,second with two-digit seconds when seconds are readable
6,28
